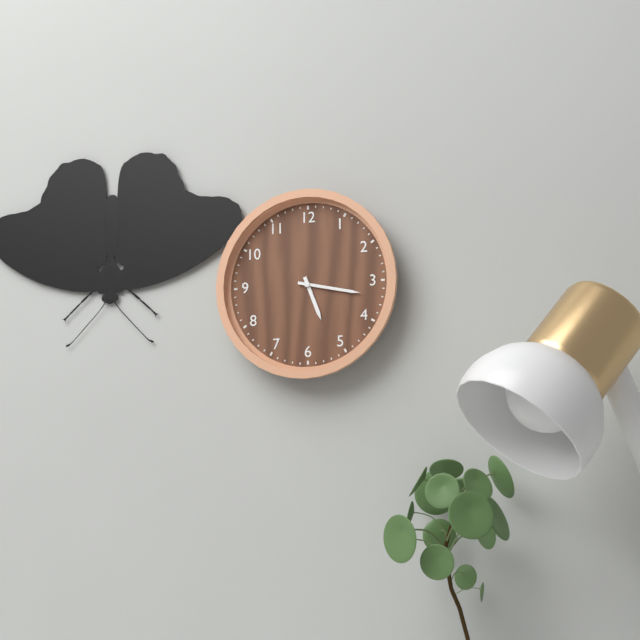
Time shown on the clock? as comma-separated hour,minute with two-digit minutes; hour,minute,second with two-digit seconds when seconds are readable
5,17
